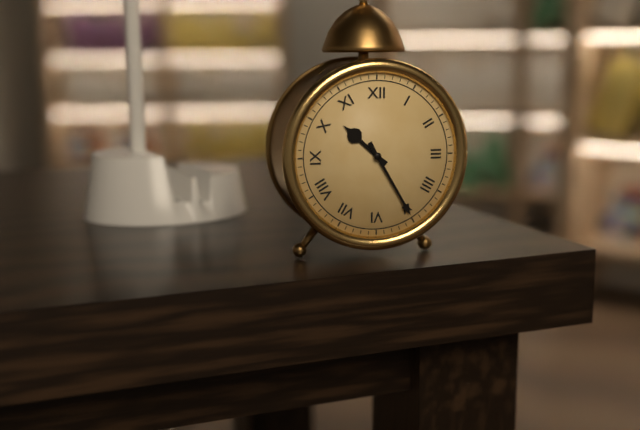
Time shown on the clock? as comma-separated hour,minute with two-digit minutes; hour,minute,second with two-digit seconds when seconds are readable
10,25
